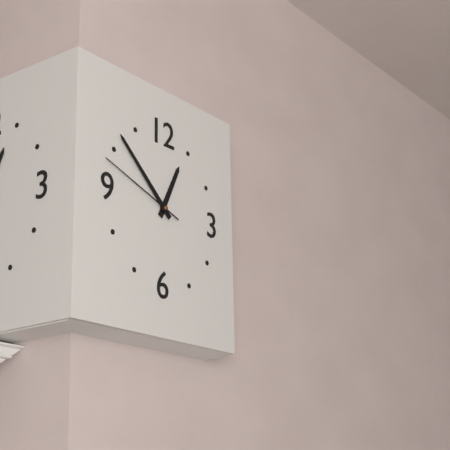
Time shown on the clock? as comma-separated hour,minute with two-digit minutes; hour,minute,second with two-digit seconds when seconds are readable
12,52,48
